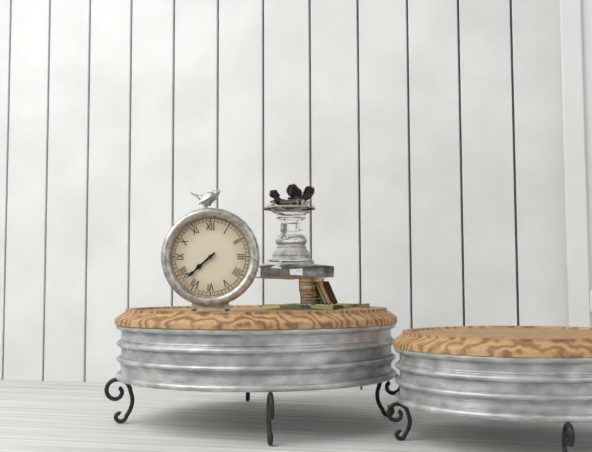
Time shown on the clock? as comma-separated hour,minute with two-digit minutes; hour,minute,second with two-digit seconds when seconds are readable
7,38
